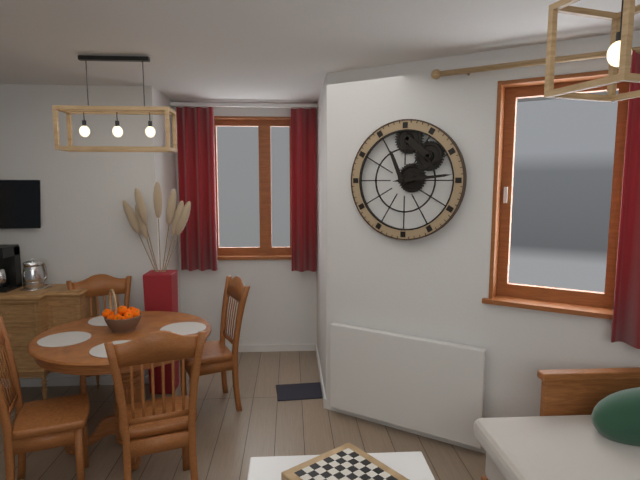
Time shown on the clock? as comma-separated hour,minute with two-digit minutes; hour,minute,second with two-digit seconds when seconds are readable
11,14
